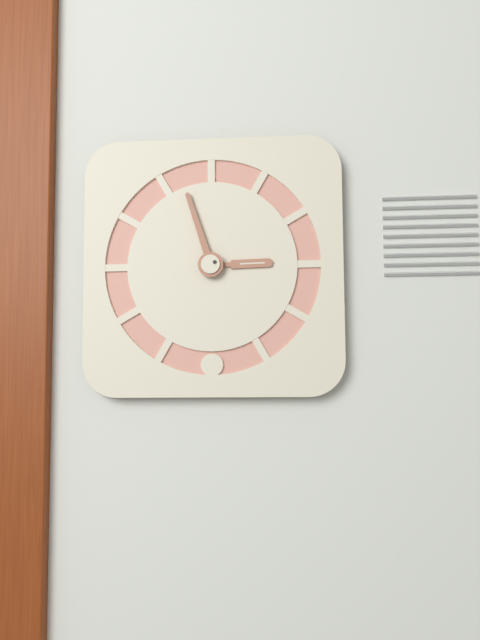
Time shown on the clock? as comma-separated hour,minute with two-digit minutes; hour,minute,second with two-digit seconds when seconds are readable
2,57
